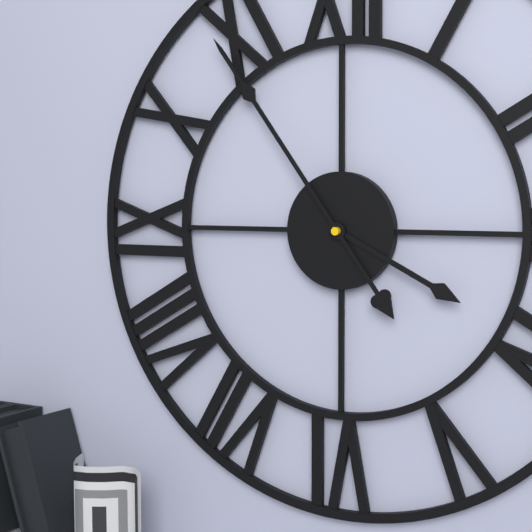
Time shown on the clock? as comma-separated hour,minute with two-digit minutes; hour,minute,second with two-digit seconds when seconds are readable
3,54
